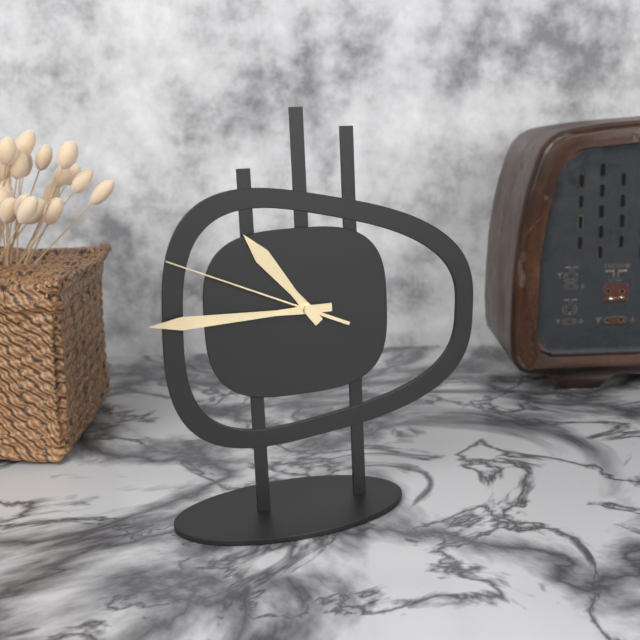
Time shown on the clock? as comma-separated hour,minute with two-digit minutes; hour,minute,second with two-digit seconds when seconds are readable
10,45,49
